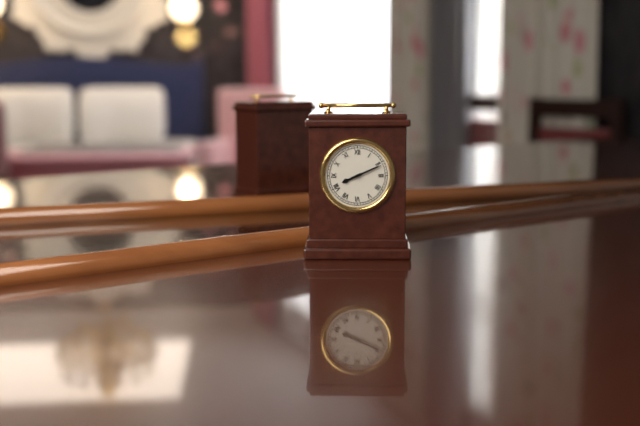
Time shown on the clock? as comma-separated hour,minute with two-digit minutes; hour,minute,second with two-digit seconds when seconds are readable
8,11
